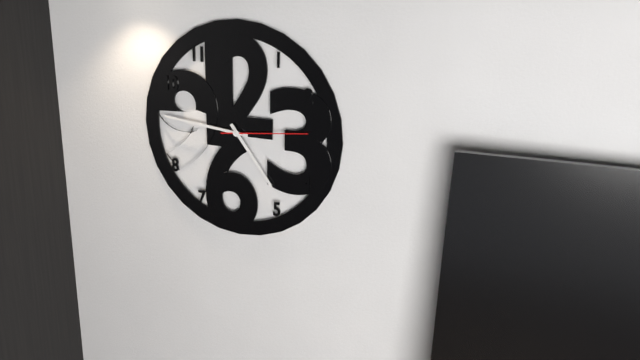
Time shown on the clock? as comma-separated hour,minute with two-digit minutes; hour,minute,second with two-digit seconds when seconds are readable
4,46,14
